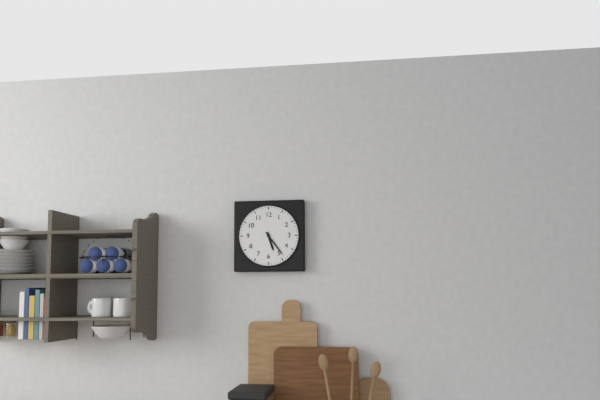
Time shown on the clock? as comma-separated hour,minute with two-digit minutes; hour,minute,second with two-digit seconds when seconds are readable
5,24
